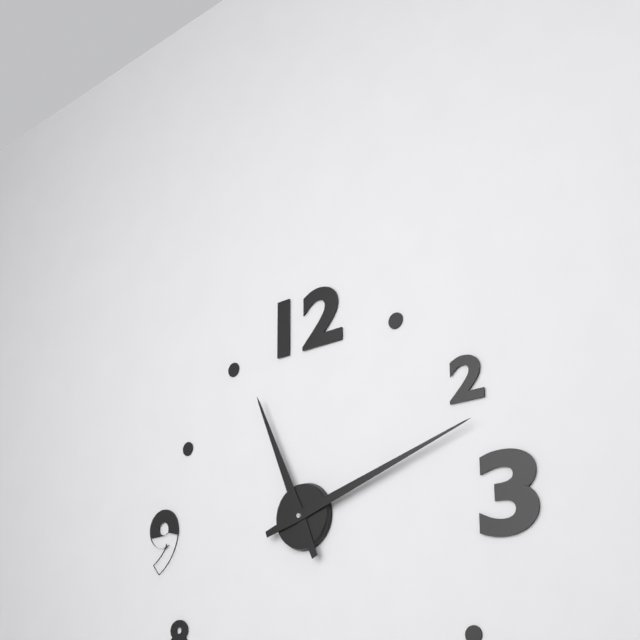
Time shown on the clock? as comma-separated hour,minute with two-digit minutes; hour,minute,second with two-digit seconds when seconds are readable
11,12
